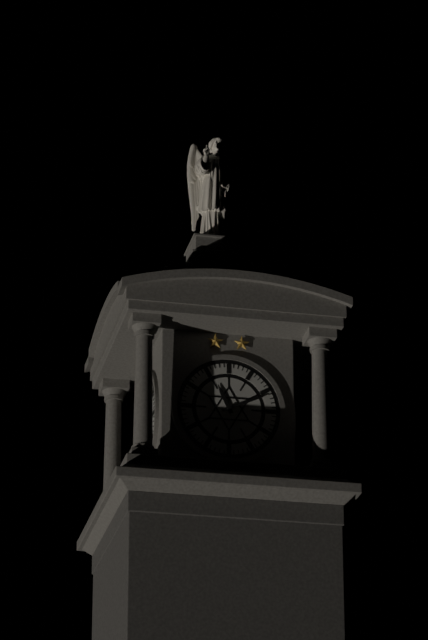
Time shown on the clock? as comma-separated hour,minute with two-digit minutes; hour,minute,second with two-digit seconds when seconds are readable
11,11
